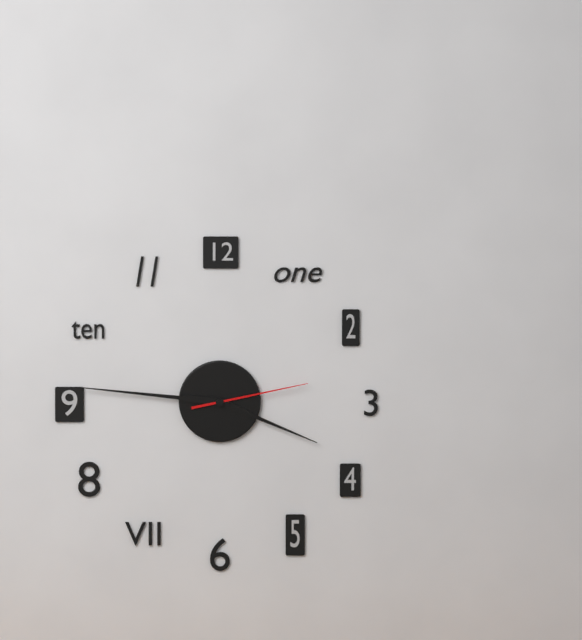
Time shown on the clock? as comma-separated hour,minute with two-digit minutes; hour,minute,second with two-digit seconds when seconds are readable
3,46,13
